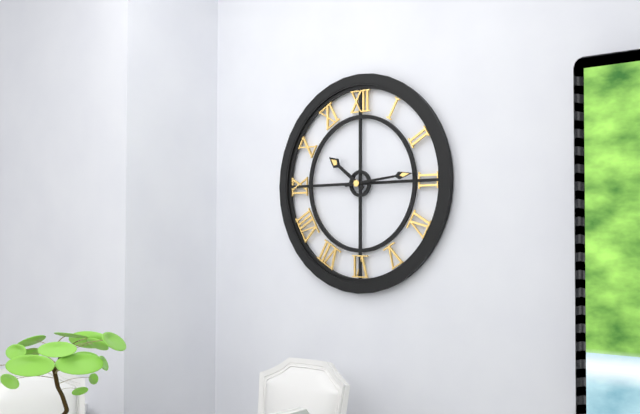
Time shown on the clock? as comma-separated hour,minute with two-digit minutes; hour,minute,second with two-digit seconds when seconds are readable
10,14
